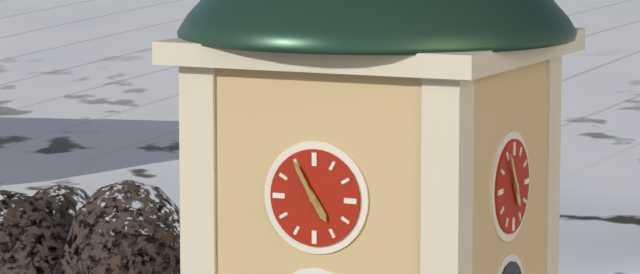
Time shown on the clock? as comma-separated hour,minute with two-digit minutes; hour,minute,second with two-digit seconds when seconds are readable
4,55
